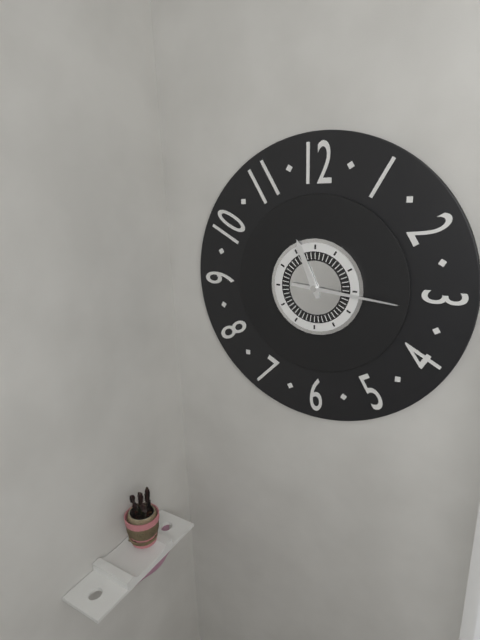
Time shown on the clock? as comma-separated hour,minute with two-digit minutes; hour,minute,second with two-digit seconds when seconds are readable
11,16
